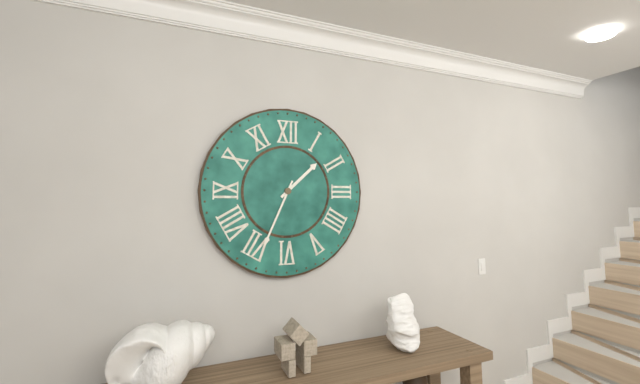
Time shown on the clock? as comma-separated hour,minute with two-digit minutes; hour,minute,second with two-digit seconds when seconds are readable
1,34
